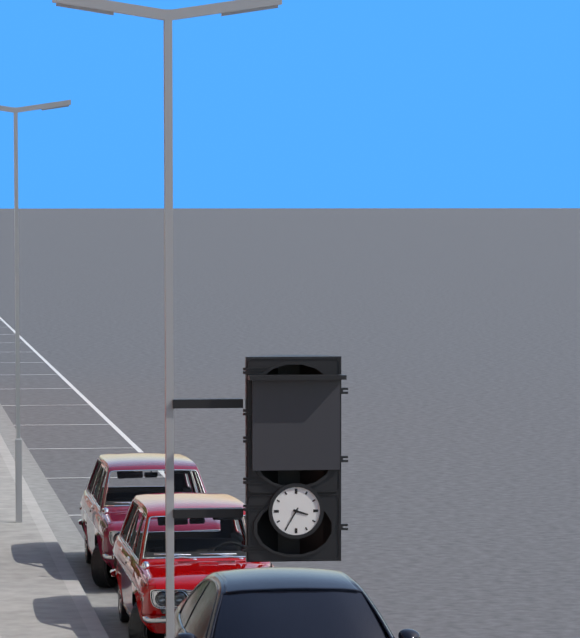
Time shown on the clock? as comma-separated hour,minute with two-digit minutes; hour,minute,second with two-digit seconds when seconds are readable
3,35
